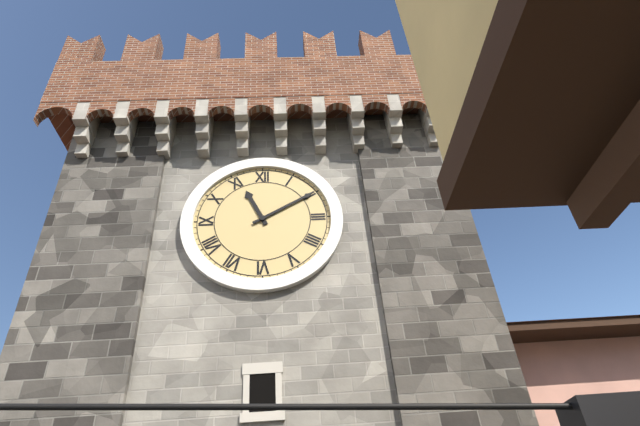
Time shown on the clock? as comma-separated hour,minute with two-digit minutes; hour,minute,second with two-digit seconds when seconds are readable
11,10
